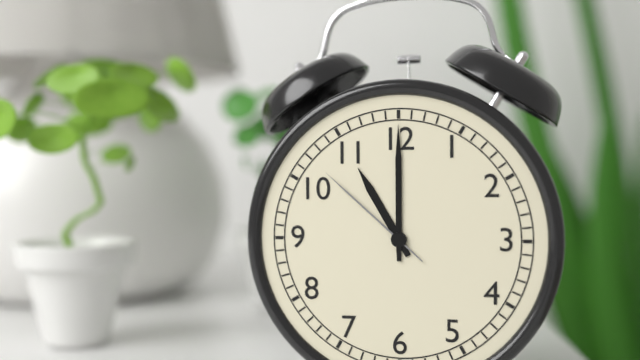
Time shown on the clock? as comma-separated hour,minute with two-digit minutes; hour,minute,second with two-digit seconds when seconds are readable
11,00,52
